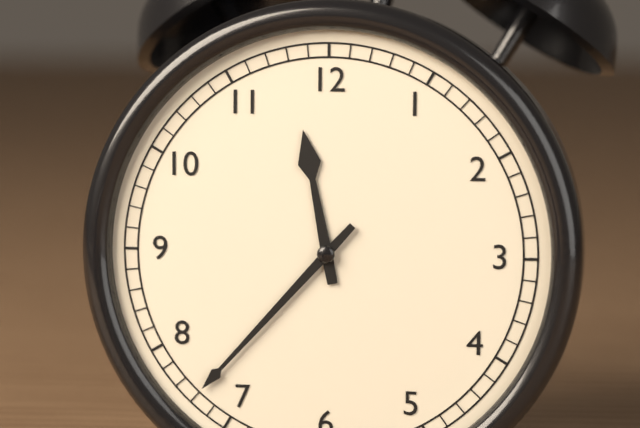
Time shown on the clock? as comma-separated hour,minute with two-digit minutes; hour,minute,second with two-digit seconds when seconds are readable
11,37
